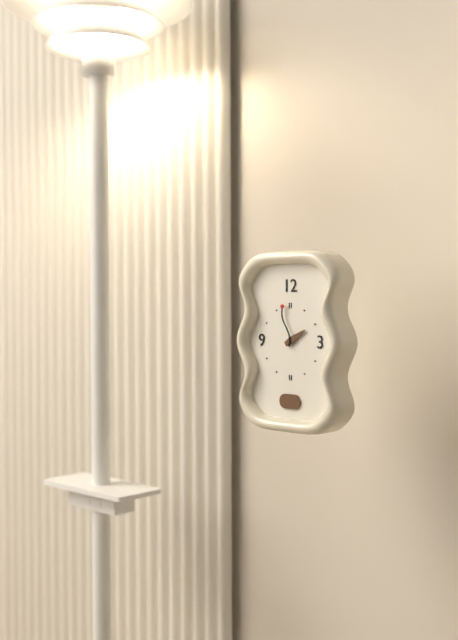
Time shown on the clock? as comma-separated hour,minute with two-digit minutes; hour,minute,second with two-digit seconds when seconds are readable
1,58
